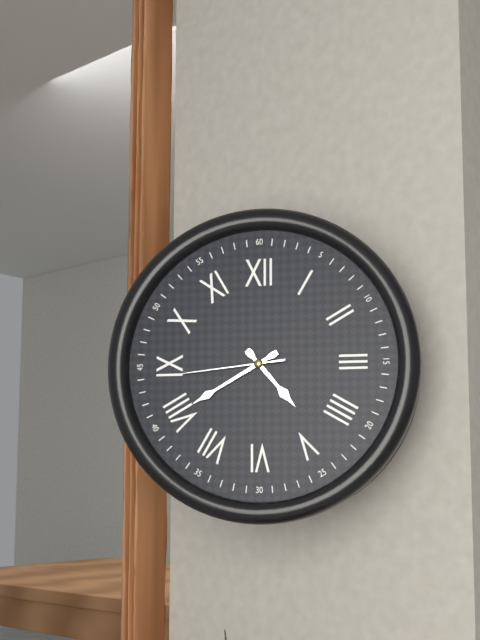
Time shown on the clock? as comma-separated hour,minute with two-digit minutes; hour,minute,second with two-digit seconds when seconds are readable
4,40,44
